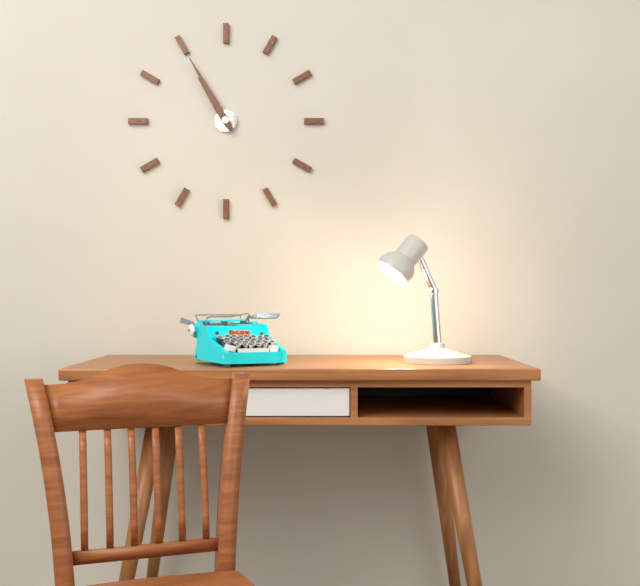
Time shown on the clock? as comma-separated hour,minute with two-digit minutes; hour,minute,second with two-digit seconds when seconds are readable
10,55
